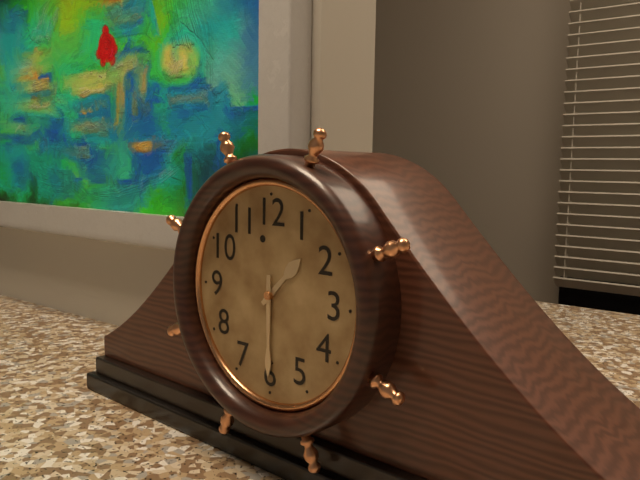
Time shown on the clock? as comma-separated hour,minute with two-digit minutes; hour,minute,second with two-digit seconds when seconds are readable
1,30
